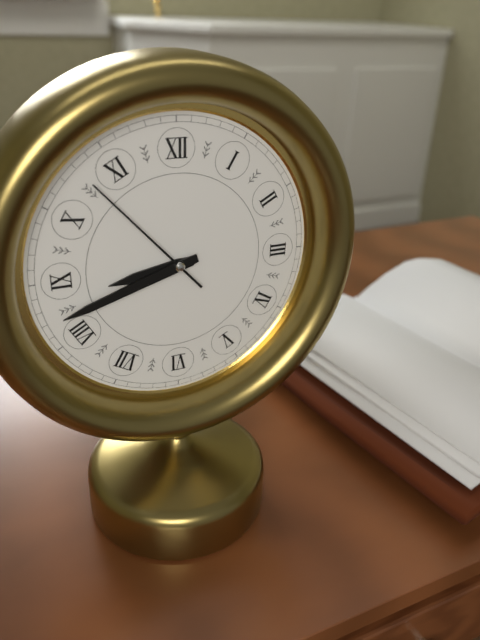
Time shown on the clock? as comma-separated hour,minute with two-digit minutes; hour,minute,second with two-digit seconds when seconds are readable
8,42,53
